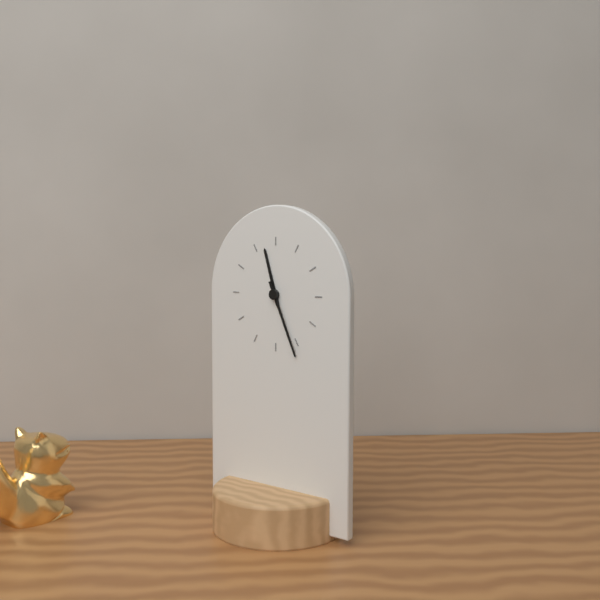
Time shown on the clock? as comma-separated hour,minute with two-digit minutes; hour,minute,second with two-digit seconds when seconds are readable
11,26
